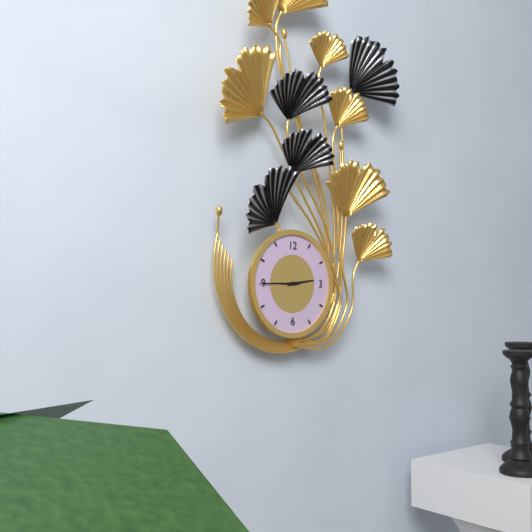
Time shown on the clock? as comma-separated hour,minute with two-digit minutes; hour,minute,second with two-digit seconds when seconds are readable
2,45
